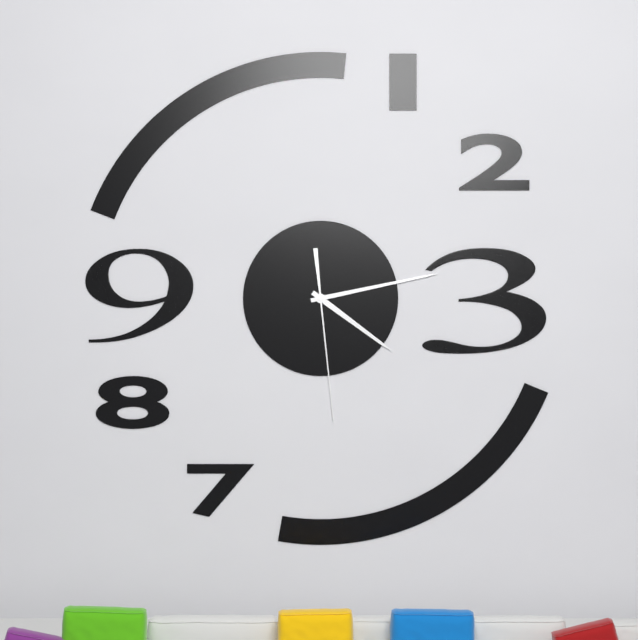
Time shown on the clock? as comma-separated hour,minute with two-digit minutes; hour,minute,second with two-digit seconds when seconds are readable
4,13,29
